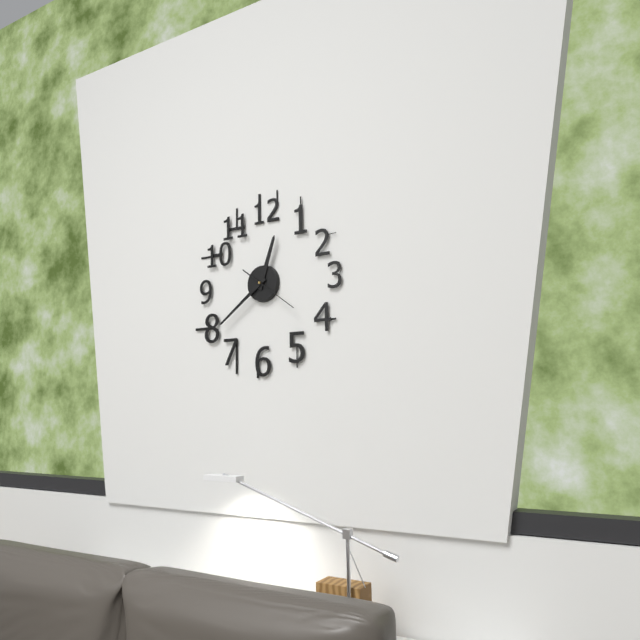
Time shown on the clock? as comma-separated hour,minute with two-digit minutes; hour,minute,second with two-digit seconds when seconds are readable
12,39,21
